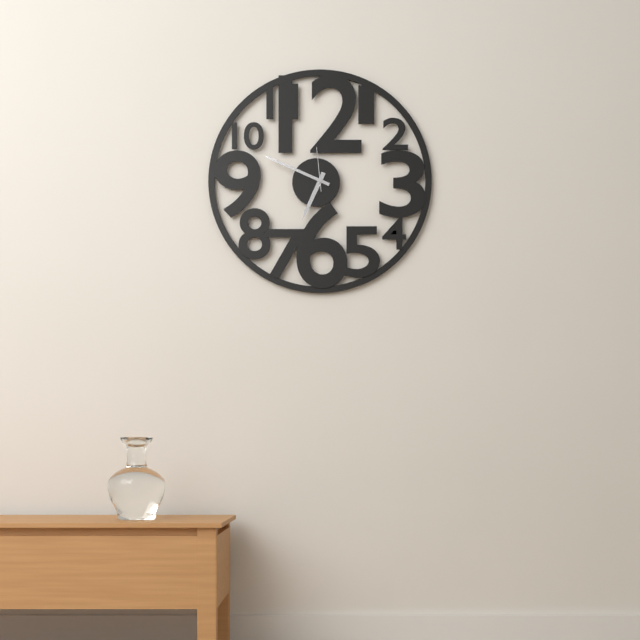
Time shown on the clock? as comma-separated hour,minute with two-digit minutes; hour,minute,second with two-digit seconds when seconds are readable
6,49
